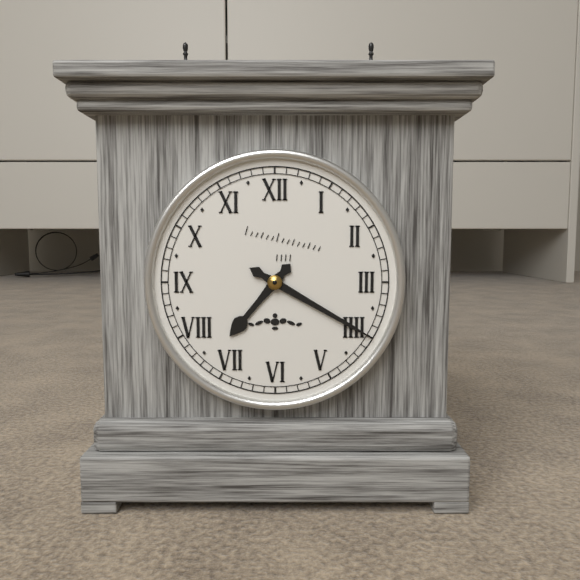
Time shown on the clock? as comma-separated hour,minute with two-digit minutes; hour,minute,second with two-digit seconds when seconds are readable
7,20
